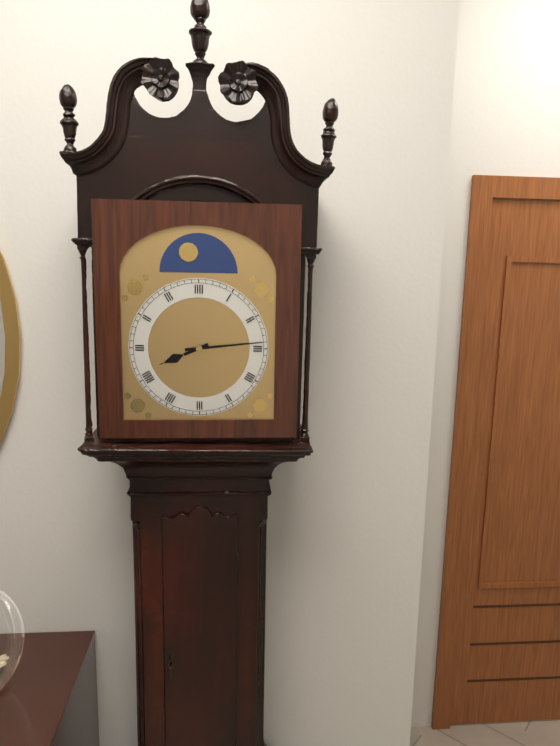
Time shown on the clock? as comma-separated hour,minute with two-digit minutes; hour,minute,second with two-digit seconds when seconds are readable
8,14
